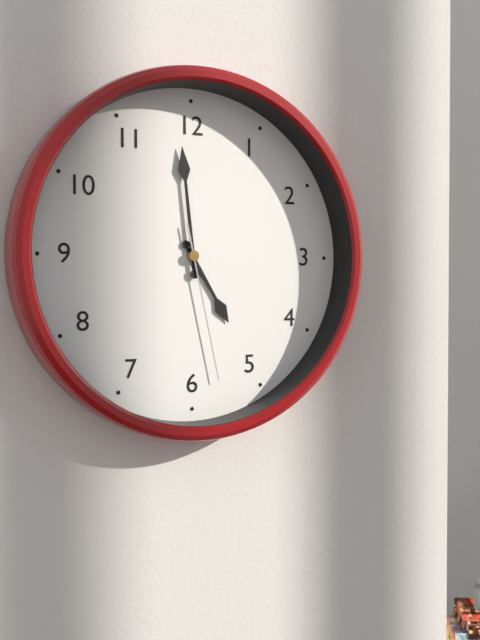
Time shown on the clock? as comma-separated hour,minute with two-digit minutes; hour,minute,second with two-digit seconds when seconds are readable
4,59,28
